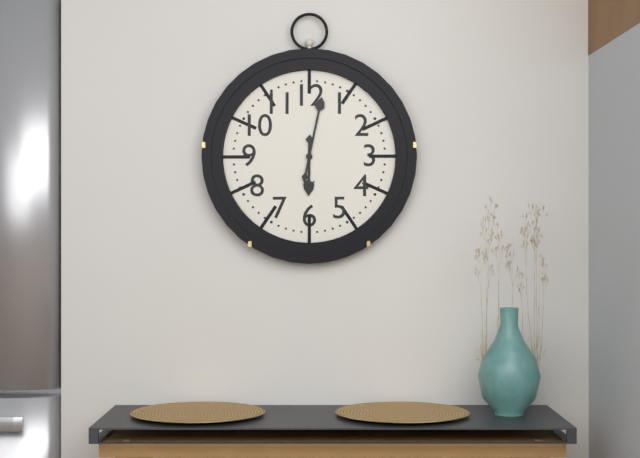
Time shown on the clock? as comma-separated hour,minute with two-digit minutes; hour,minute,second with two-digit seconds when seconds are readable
6,02
